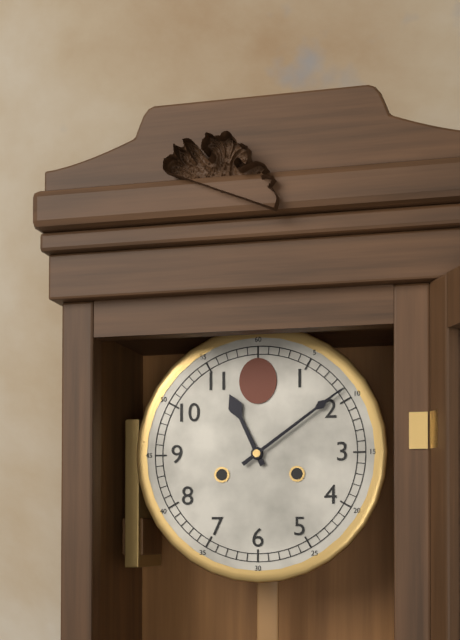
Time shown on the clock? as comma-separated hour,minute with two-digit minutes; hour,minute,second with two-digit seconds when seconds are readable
11,09
